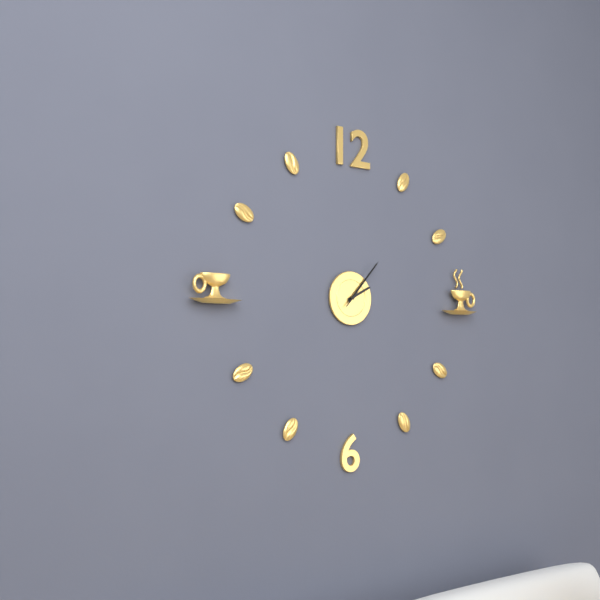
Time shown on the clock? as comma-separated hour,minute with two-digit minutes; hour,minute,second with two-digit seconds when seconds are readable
2,07,07
